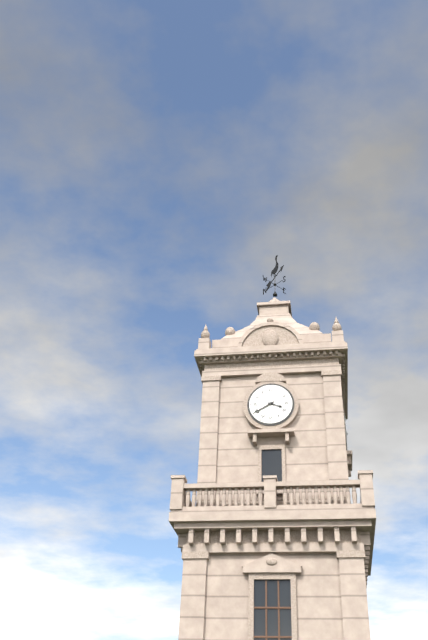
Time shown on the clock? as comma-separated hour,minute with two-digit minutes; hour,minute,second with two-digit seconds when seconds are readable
3,40
